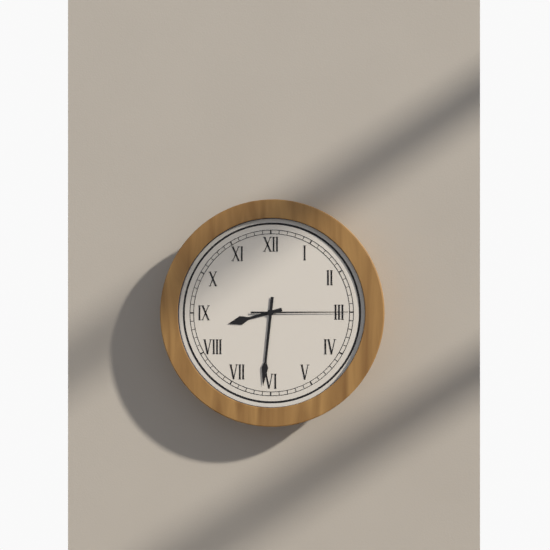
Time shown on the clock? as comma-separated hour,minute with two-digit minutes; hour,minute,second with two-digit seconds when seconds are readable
8,31,15
